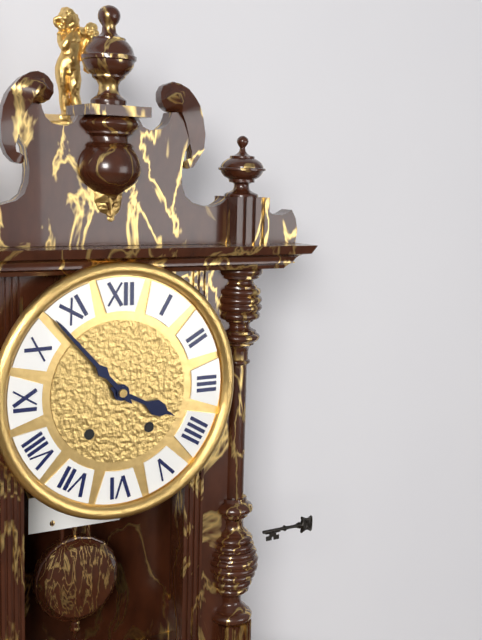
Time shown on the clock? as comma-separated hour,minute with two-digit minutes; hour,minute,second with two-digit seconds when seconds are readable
3,53
